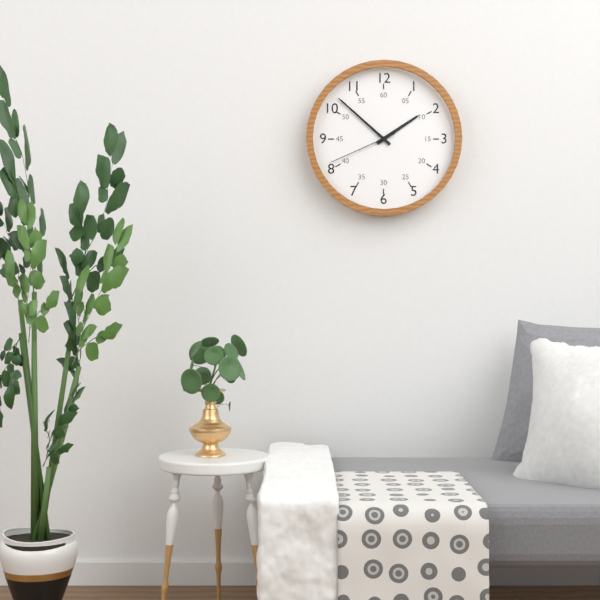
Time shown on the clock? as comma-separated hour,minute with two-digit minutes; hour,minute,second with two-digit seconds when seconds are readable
1,52,41
